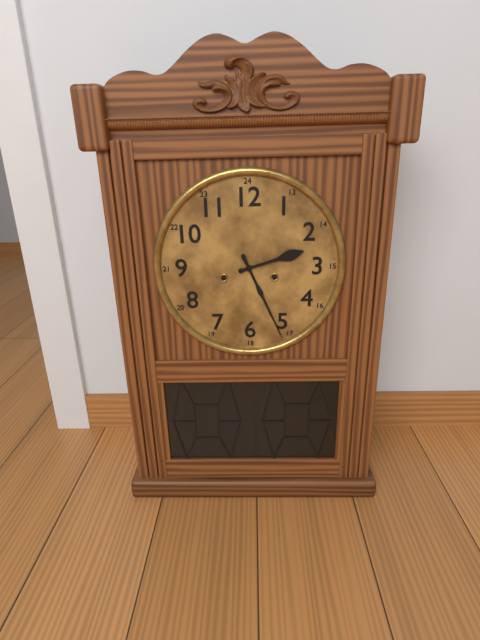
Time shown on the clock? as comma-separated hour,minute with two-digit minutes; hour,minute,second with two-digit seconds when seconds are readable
2,26
